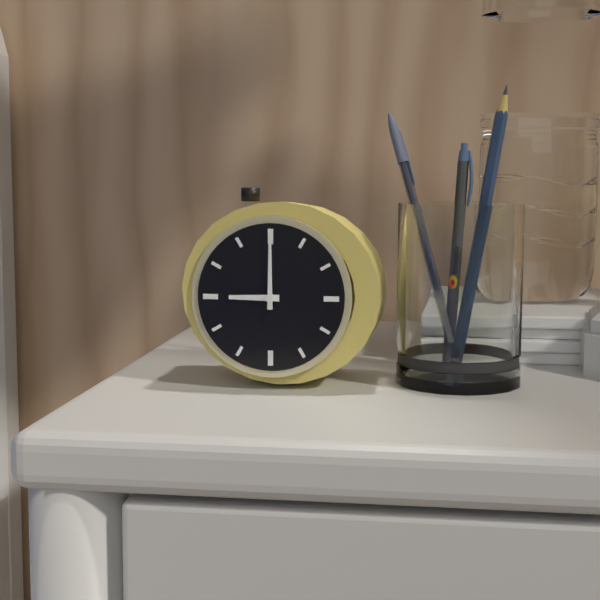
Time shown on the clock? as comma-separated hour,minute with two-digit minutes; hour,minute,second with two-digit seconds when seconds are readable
9,00
